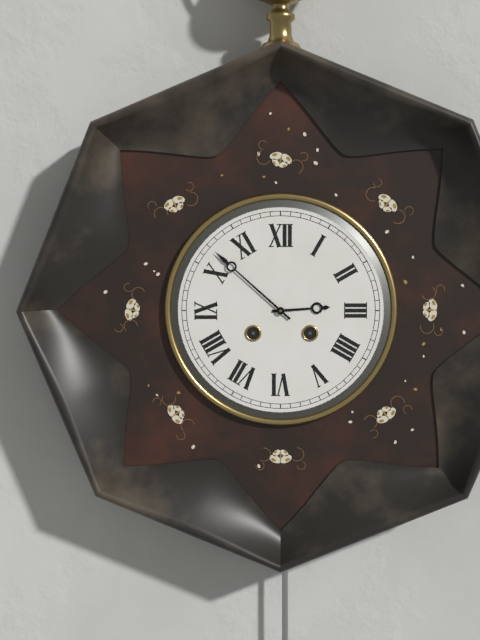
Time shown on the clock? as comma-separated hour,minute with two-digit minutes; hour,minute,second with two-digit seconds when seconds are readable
2,52
